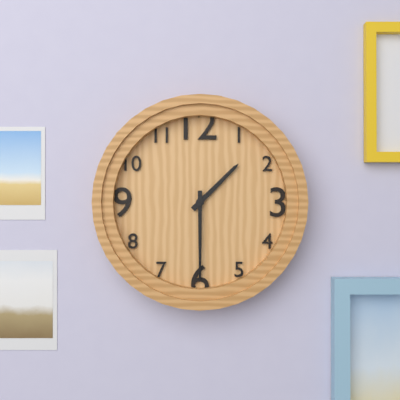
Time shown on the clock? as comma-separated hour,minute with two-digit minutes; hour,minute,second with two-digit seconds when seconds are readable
1,30
